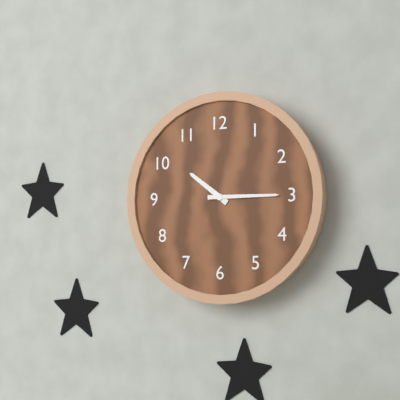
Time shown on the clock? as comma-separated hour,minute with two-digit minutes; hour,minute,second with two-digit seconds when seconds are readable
10,15
